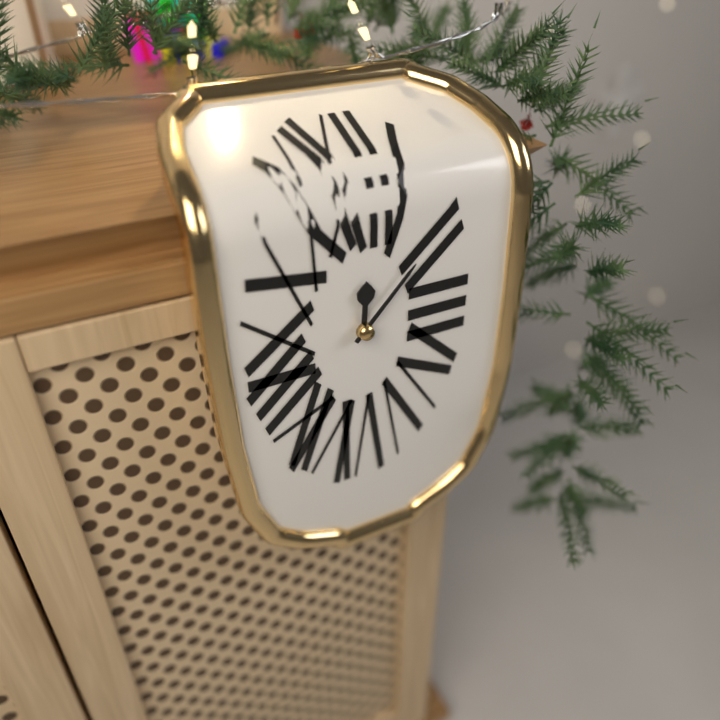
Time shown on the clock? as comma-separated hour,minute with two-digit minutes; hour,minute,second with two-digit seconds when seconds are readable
12,07
